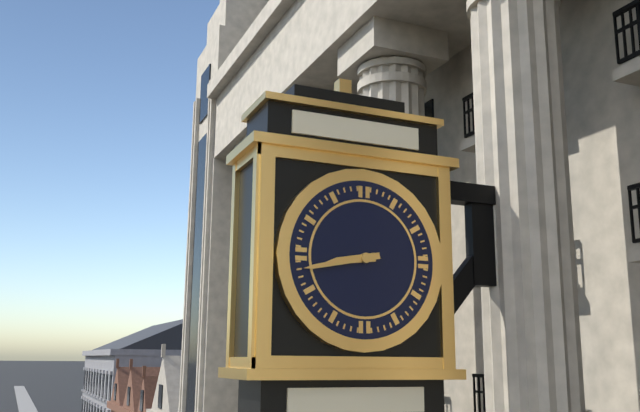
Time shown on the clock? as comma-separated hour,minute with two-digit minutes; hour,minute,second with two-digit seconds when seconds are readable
8,43
